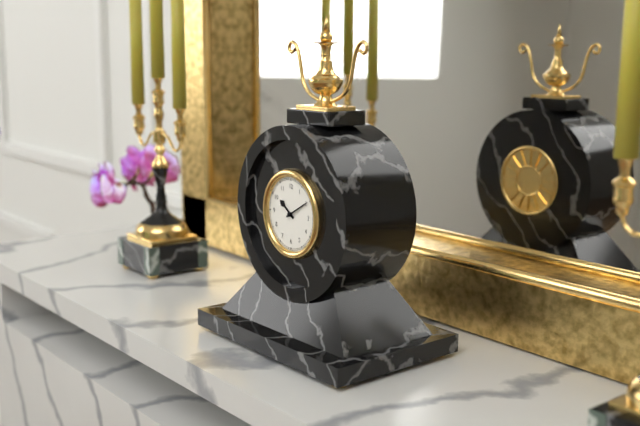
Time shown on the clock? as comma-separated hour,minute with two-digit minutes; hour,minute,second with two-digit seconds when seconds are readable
10,10
